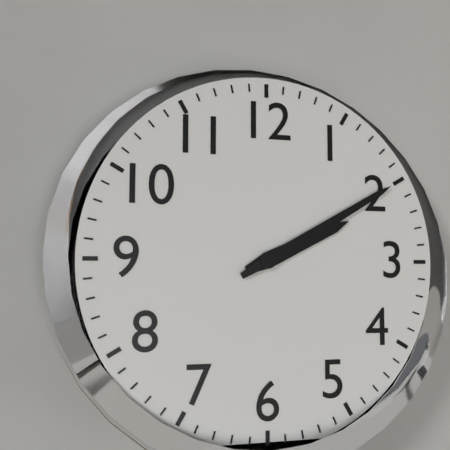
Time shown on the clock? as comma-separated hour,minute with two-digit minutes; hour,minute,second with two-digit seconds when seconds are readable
2,10
